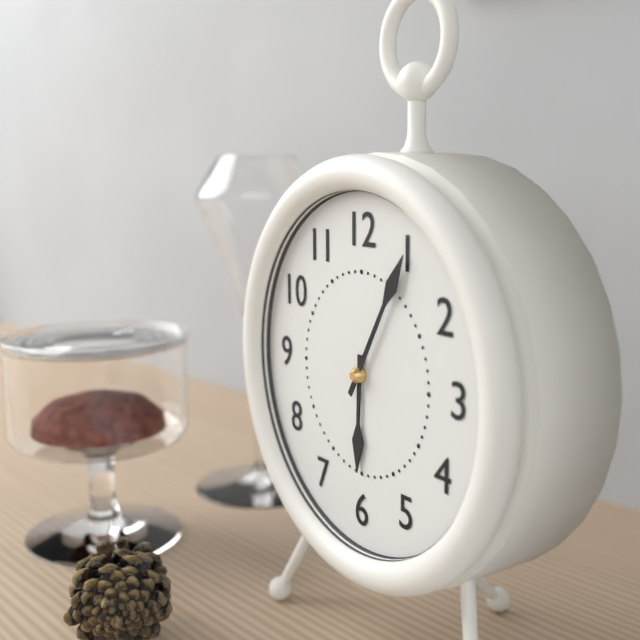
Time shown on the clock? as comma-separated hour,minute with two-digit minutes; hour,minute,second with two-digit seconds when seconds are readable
6,05
